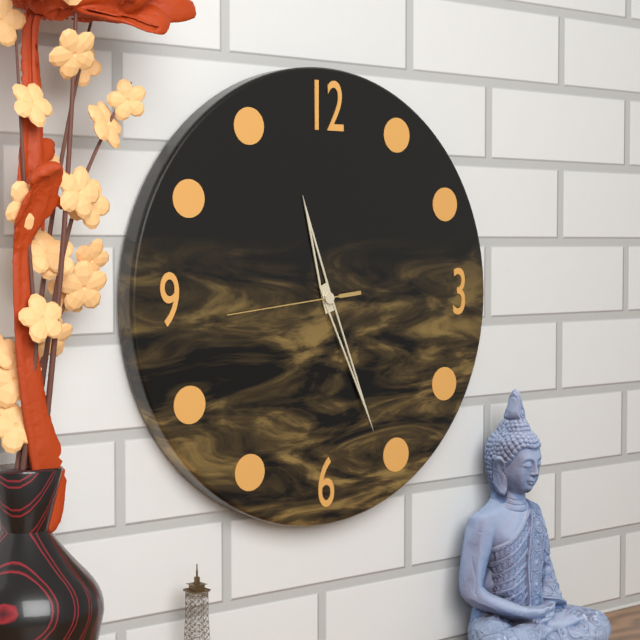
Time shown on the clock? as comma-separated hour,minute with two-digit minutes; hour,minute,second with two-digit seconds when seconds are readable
11,26,44
